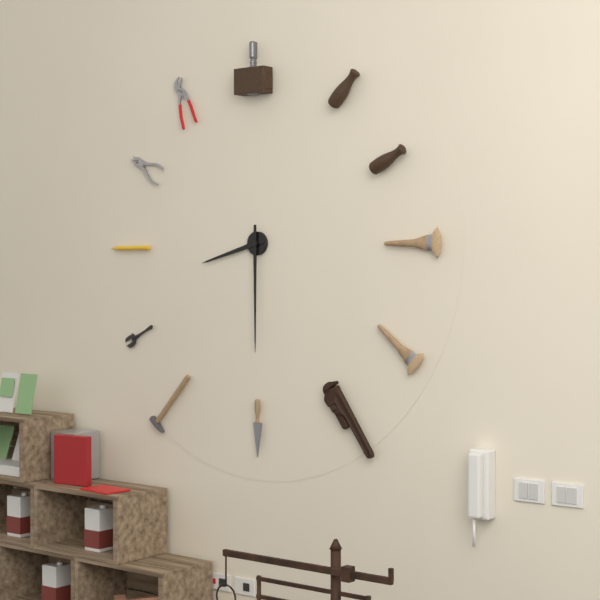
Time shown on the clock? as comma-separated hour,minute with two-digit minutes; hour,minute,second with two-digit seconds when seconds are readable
8,30
